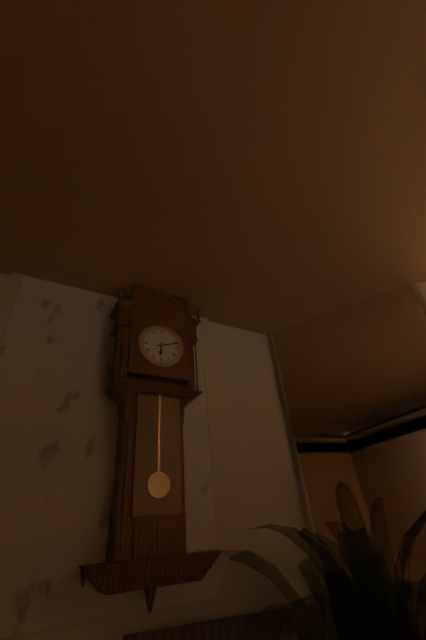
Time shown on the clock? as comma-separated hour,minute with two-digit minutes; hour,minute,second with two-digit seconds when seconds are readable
6,12
